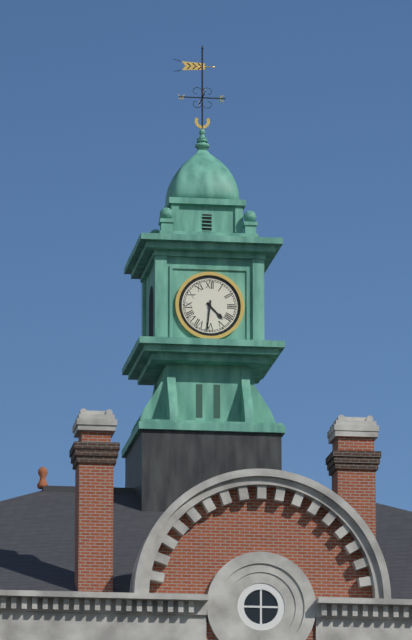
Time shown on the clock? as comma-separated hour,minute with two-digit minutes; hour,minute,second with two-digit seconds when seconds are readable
4,31
